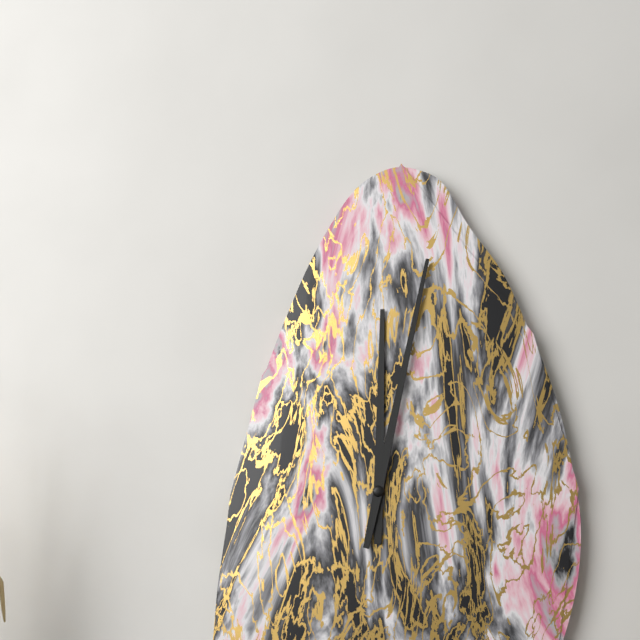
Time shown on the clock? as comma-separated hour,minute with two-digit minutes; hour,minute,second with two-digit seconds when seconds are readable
12,02
